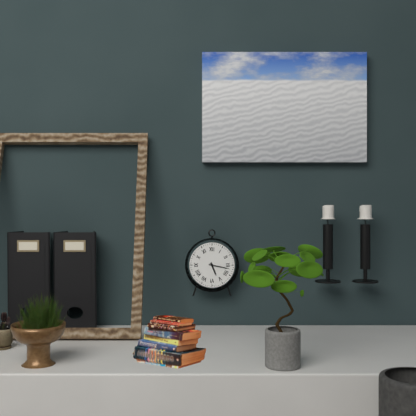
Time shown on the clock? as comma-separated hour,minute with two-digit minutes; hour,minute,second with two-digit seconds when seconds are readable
5,17
